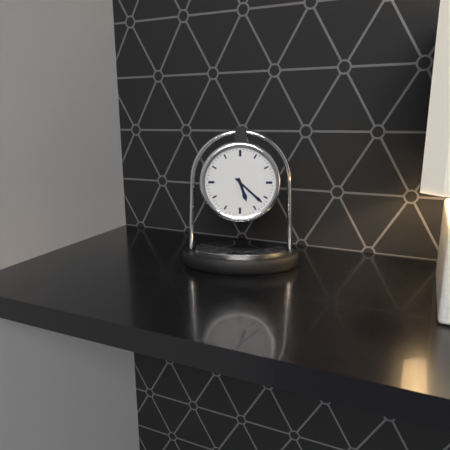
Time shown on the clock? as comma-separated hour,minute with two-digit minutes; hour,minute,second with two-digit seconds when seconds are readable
5,22
